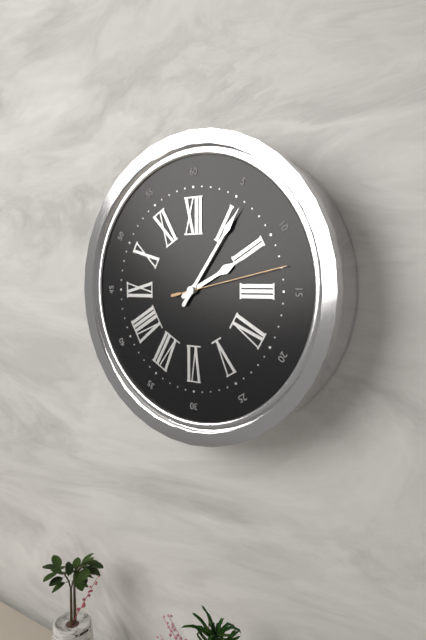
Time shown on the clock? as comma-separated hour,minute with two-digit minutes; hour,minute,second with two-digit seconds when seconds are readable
2,06,13
